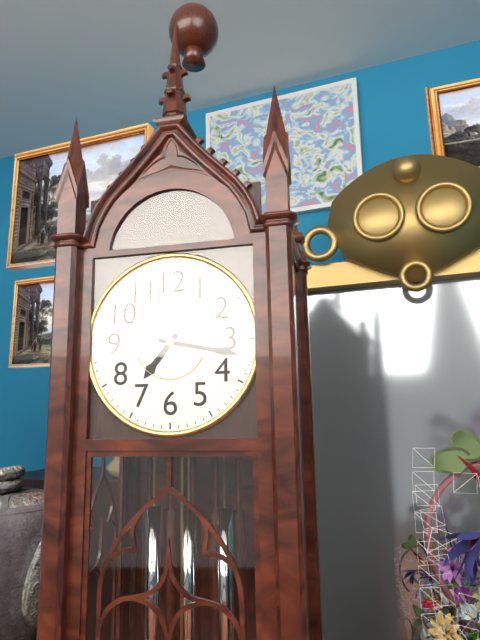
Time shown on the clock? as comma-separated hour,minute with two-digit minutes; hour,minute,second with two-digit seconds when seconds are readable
7,17
